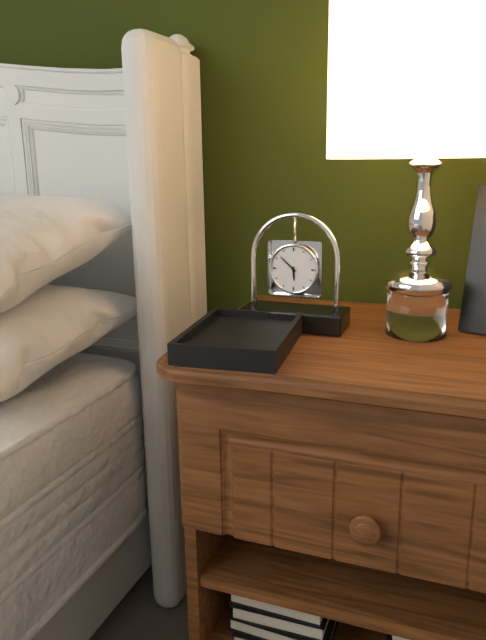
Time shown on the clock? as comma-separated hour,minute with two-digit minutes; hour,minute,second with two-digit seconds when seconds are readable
5,52
